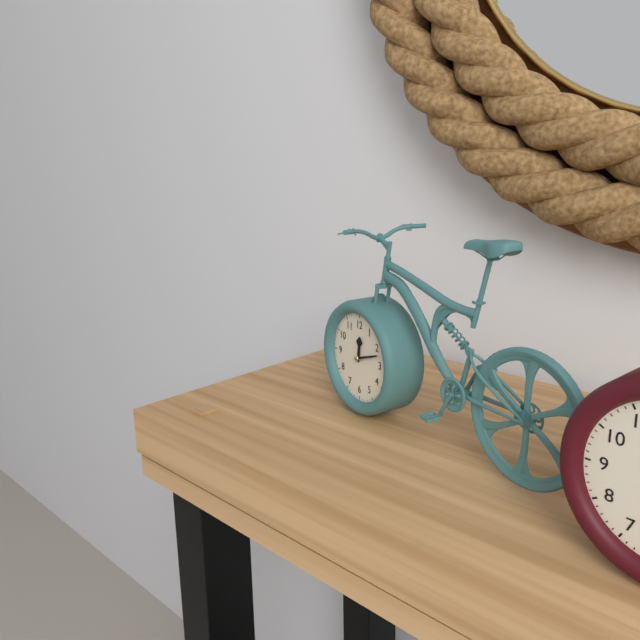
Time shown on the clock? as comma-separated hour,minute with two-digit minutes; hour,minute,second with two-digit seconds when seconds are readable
12,12
